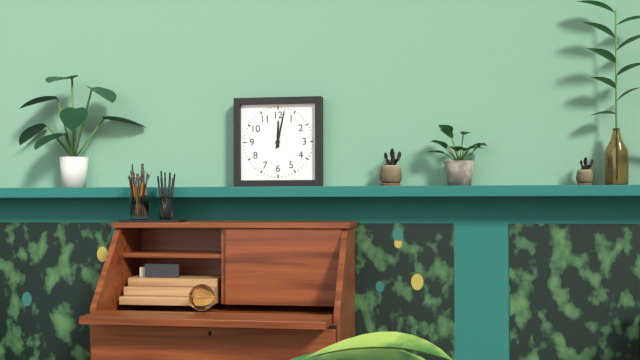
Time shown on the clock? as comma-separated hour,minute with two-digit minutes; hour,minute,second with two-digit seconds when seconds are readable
12,02
